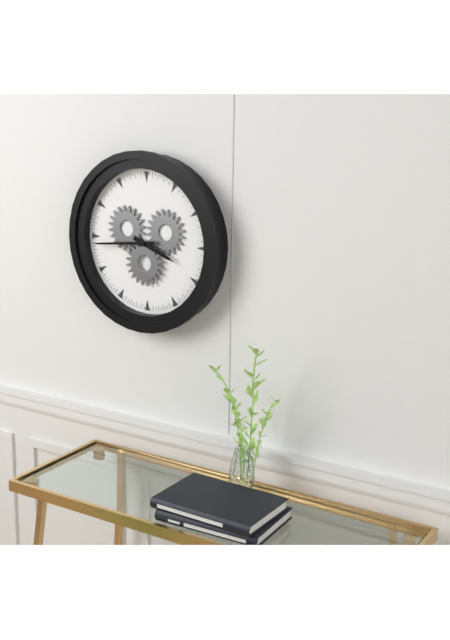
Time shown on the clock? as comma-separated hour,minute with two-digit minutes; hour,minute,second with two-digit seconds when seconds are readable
3,44
